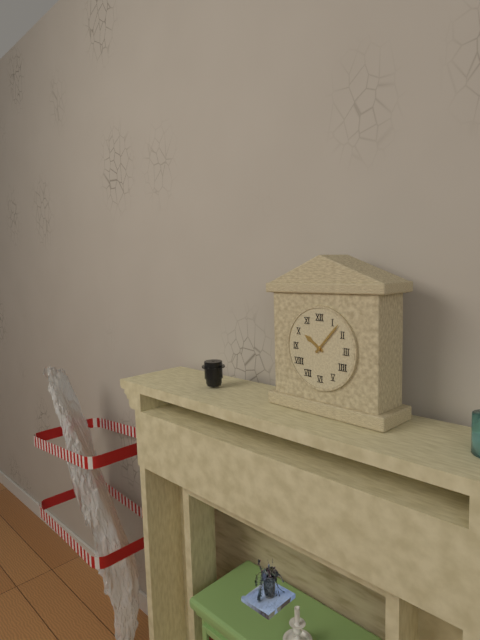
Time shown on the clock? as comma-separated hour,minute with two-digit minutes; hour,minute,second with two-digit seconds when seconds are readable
10,07
